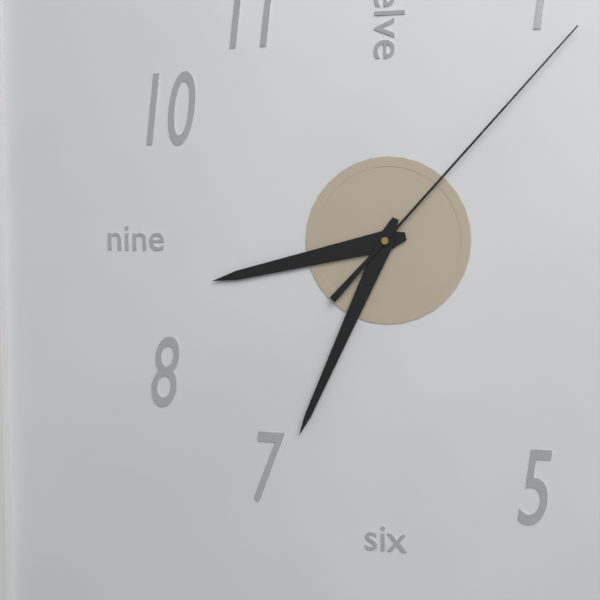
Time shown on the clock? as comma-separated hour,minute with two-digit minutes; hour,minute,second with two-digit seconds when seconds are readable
8,34,07
